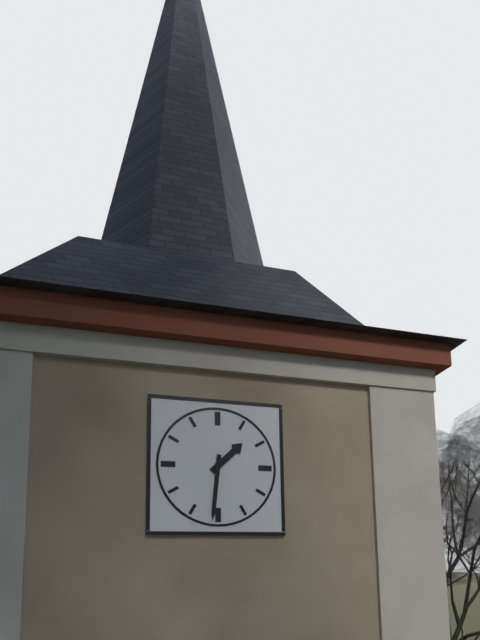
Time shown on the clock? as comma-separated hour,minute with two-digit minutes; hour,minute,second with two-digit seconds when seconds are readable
1,31
